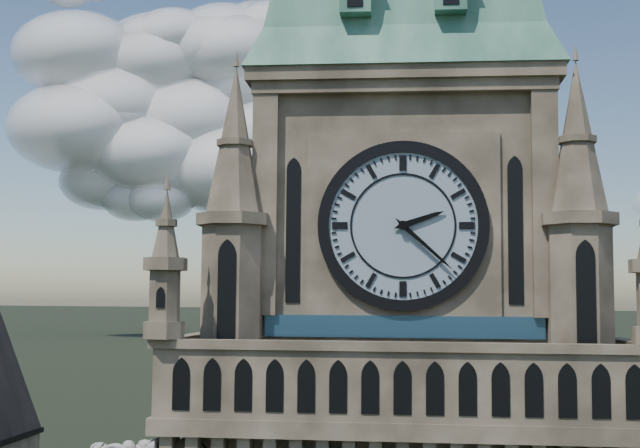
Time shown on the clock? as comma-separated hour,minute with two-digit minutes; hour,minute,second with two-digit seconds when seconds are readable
2,22
